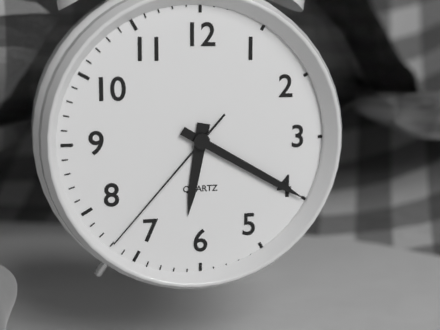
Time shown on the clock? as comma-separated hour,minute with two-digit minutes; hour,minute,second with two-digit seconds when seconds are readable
6,20,37
